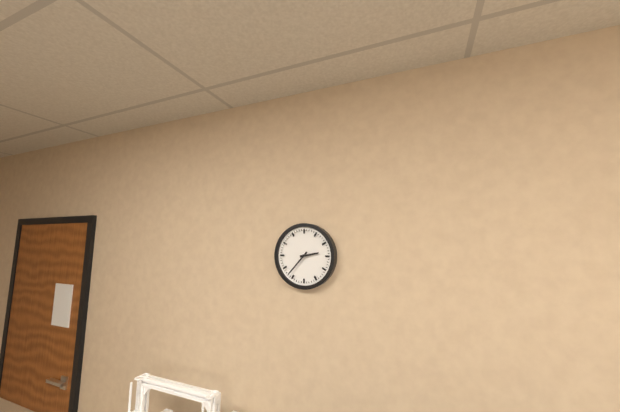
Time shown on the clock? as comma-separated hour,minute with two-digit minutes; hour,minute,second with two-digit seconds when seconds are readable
2,37
